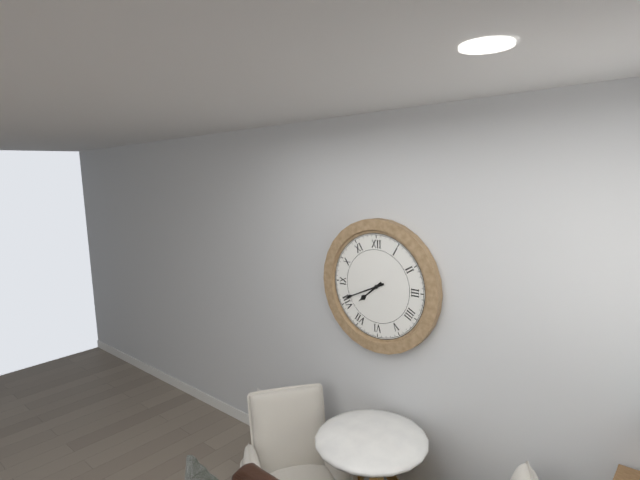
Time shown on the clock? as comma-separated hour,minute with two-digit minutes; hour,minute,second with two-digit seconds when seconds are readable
7,41
